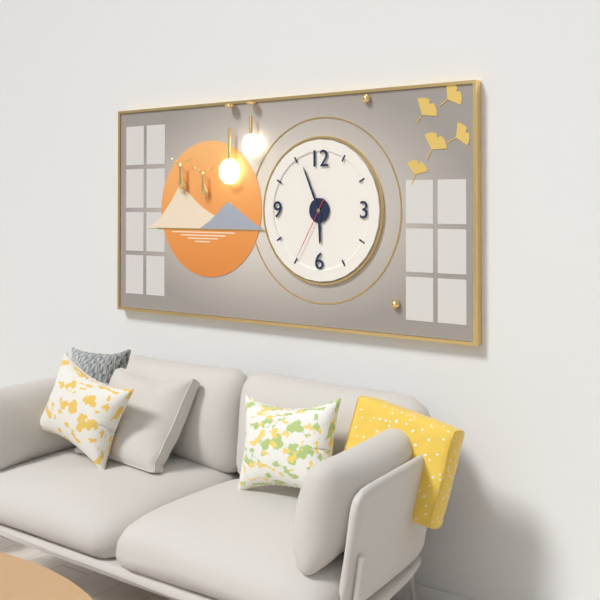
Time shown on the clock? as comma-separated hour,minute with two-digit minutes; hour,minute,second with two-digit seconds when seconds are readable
5,56,35
